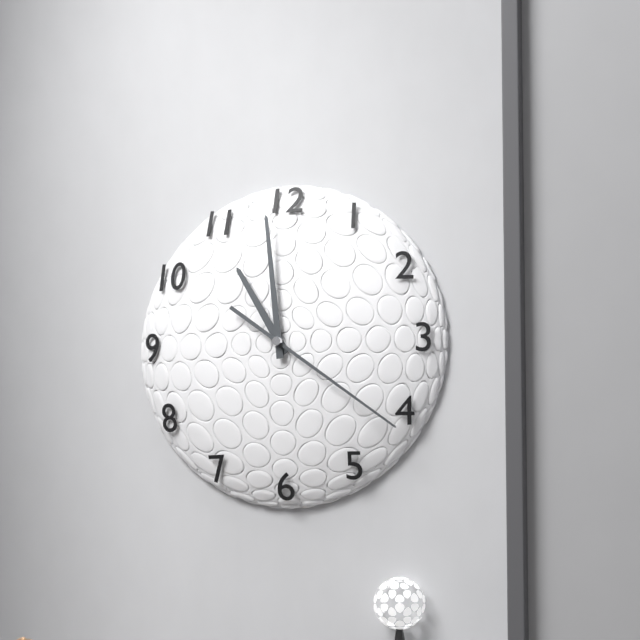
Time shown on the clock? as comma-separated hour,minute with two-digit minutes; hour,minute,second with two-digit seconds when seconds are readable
10,59,21
